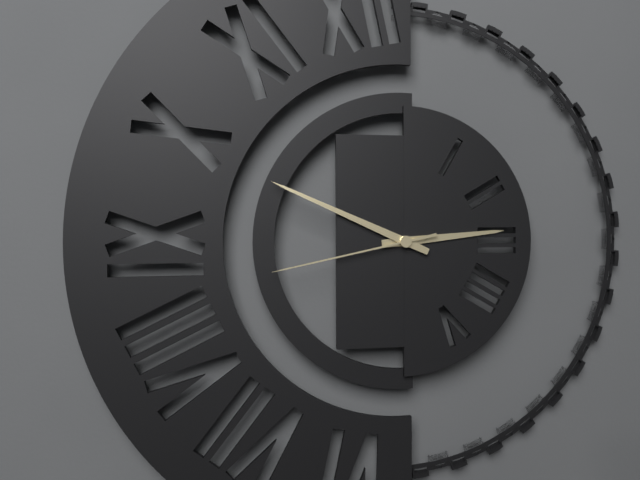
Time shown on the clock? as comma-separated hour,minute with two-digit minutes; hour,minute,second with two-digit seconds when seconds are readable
2,49,43
